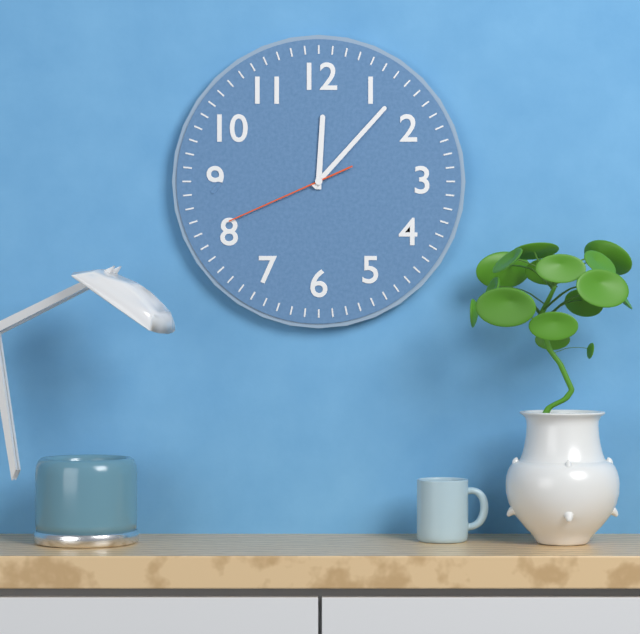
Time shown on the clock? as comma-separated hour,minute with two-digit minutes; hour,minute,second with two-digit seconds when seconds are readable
12,07,41
